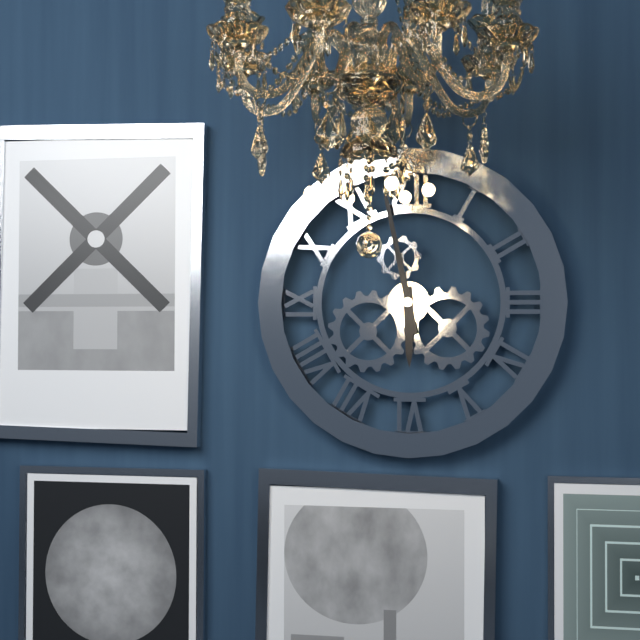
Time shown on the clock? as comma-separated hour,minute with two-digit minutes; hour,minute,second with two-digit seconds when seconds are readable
5,58
